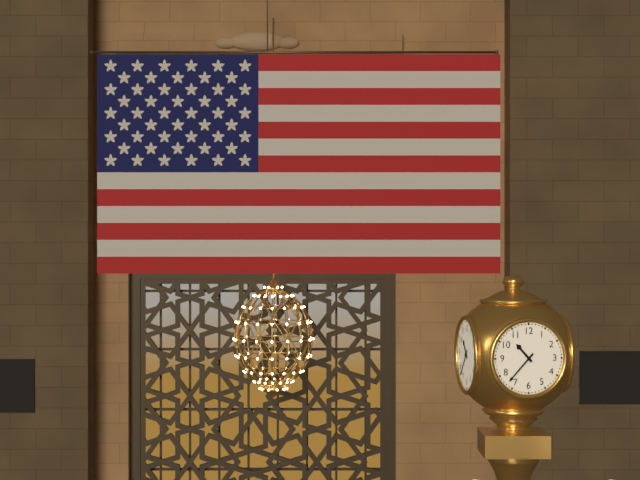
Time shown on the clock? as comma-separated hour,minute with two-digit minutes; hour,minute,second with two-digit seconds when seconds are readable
10,37
